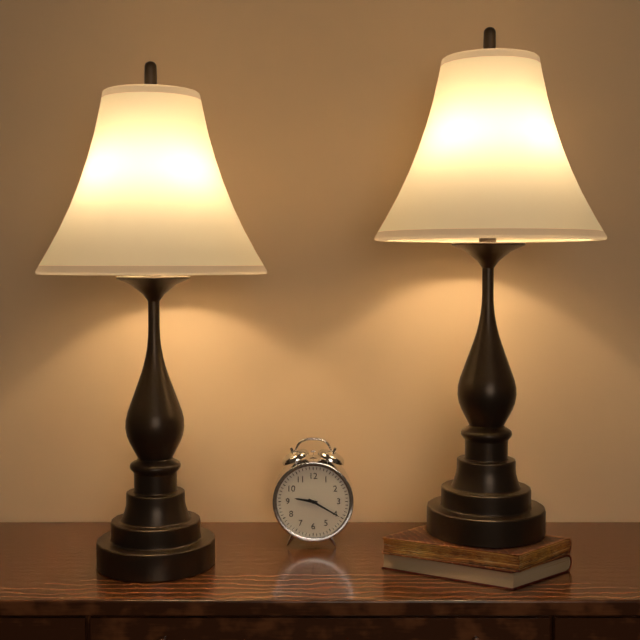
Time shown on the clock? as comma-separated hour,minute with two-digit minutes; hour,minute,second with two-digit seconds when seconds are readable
9,20
